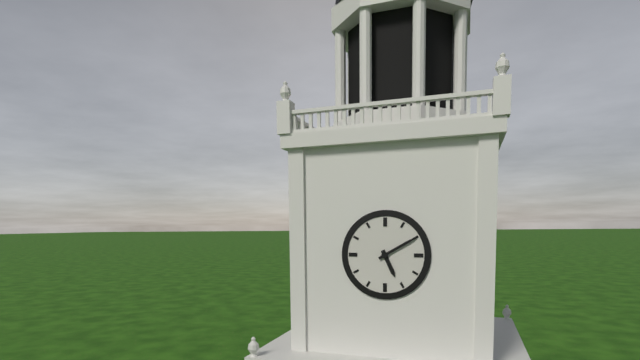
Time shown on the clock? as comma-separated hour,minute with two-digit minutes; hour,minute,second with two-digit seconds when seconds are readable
5,10
